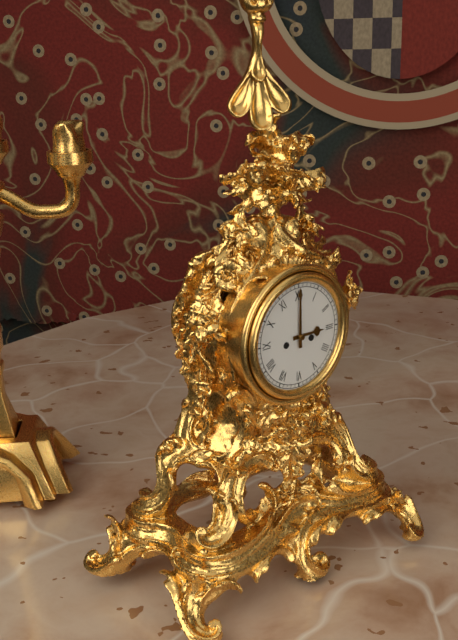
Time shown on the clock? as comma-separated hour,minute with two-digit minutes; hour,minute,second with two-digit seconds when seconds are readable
3,00
